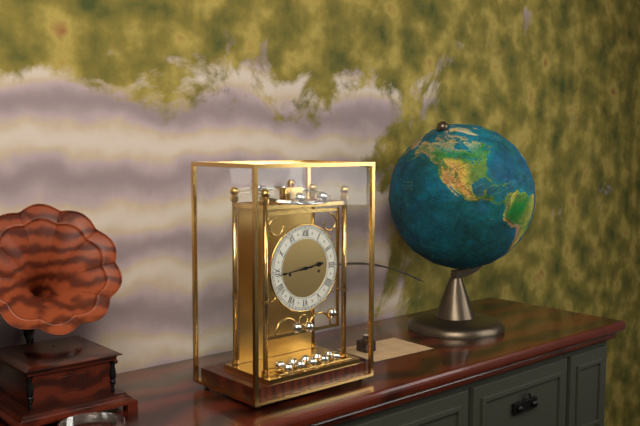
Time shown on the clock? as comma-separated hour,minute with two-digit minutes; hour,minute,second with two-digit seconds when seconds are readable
2,44
